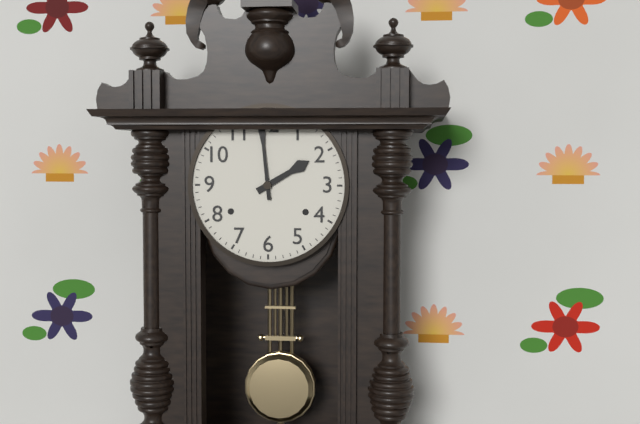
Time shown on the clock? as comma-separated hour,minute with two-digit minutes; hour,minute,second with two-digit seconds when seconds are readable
1,59
